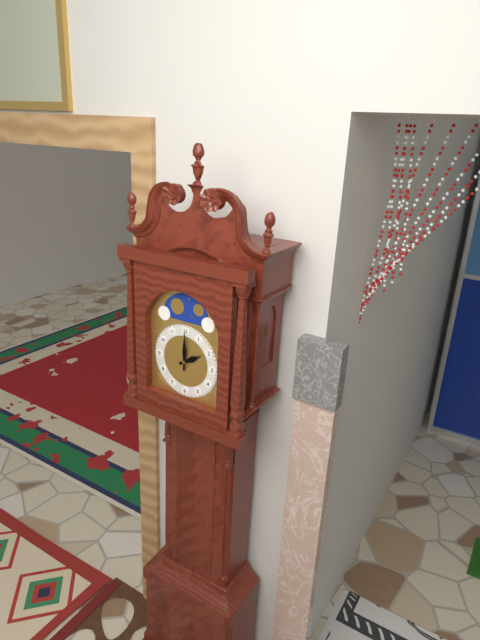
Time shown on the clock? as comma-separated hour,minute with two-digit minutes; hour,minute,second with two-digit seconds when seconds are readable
2,00
